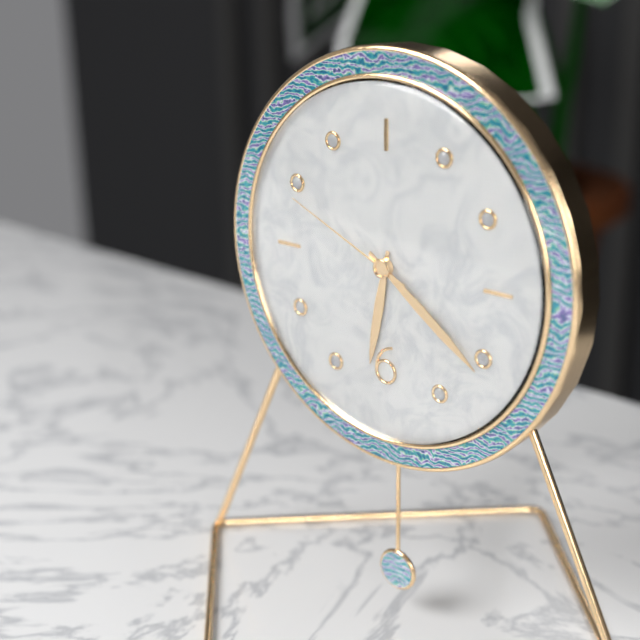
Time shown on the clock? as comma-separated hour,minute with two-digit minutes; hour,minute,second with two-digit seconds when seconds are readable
6,21,49
